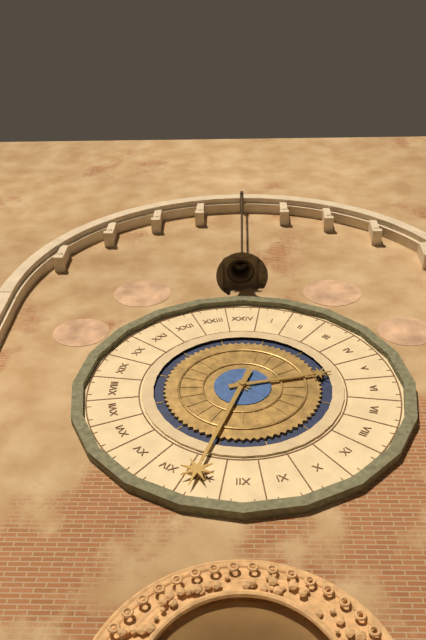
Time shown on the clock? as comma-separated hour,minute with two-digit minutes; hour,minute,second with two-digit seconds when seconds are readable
2,33
